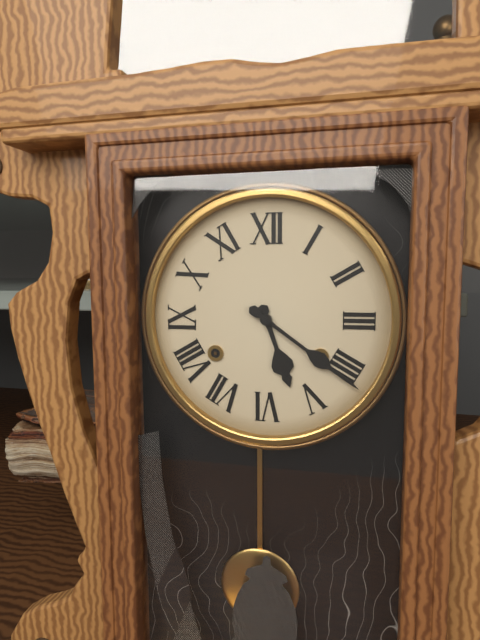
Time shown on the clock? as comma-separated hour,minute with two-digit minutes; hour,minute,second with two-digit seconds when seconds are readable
5,21
